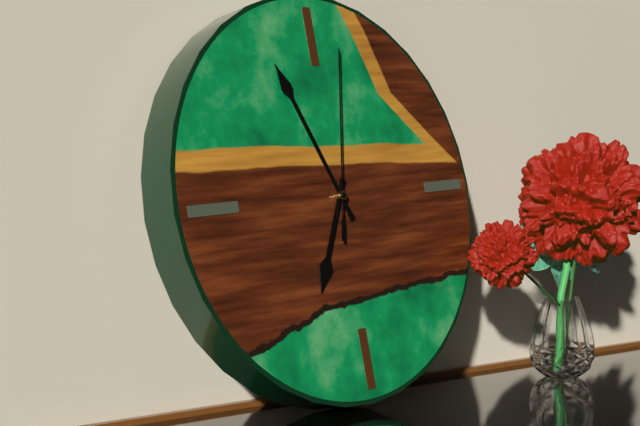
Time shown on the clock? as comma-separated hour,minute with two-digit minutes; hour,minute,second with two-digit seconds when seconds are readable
6,56,02
